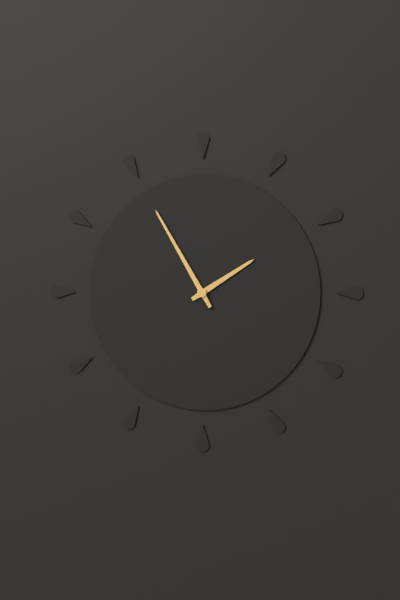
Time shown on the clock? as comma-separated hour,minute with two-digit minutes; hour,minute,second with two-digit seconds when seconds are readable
1,55
